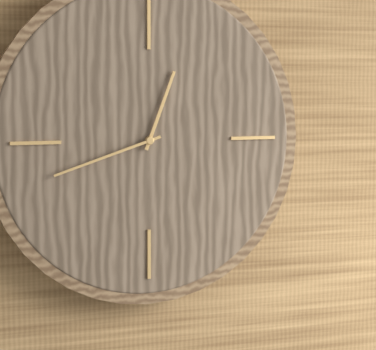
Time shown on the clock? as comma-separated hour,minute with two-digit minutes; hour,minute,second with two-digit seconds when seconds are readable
12,42
